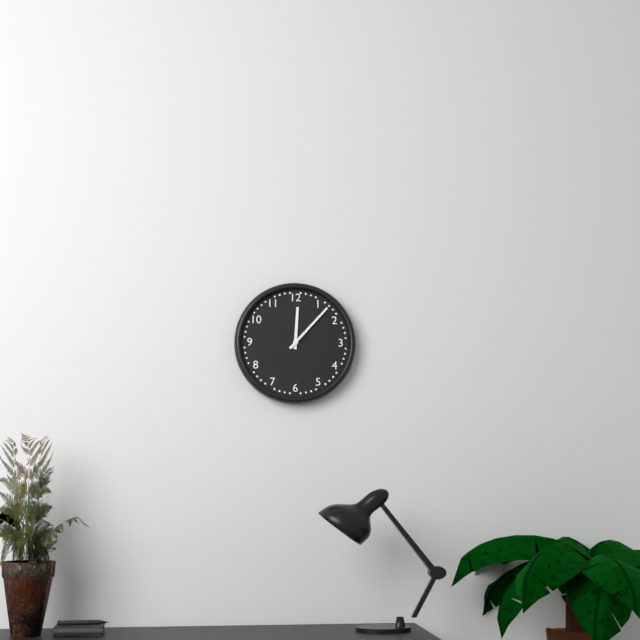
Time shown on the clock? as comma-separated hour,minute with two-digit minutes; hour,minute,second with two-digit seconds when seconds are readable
12,07
